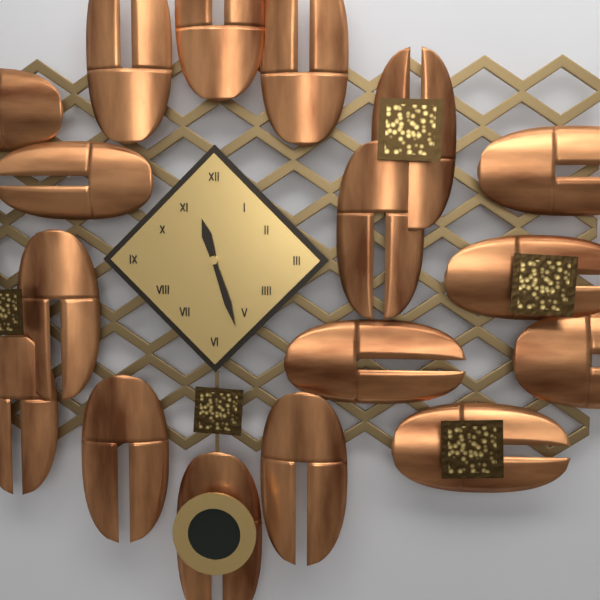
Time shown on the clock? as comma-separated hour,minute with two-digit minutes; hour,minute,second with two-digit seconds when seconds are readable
11,27
